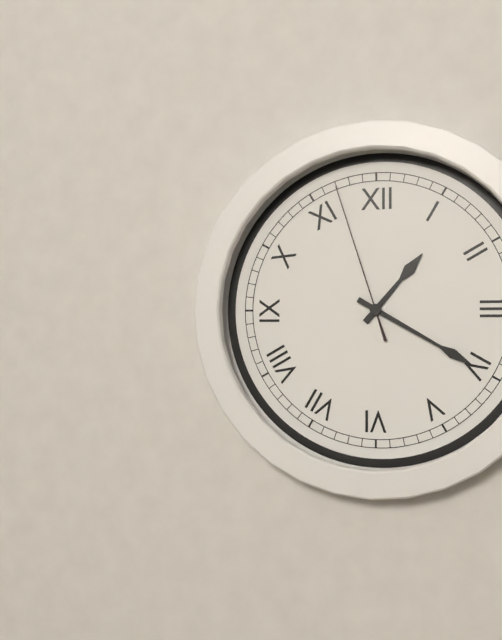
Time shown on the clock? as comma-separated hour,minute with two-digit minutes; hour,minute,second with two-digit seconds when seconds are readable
1,20,57
